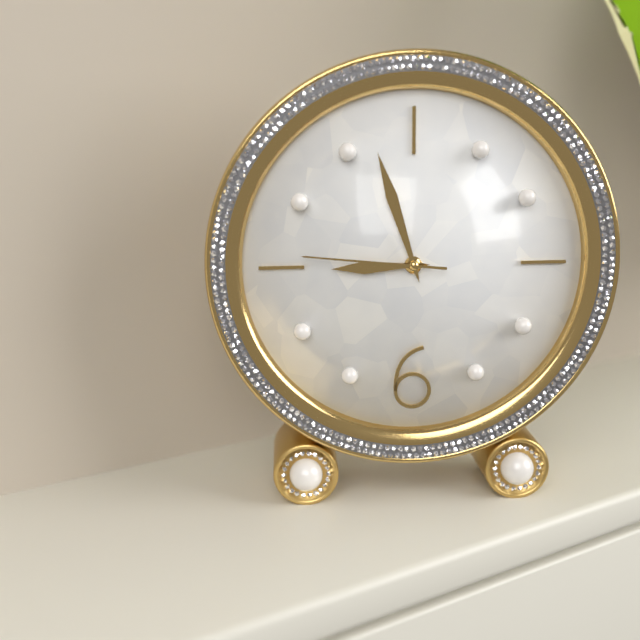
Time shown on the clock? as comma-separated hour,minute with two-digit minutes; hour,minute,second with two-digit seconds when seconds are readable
8,57,46
